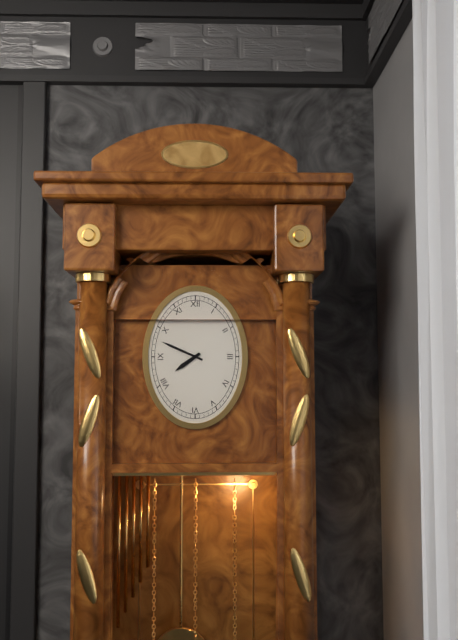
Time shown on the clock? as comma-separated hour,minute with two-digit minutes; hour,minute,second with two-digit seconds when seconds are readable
7,49
